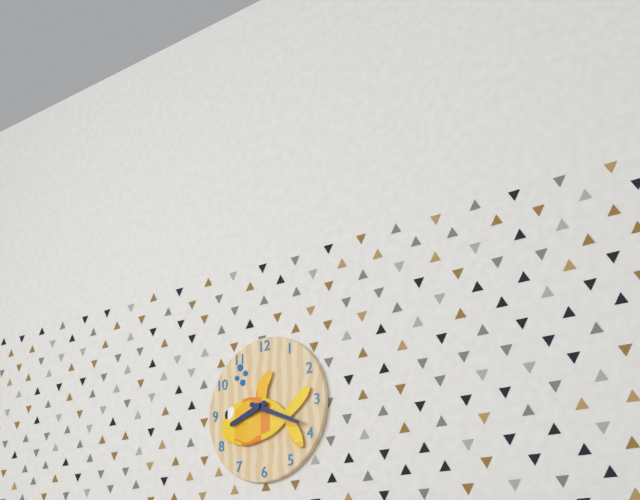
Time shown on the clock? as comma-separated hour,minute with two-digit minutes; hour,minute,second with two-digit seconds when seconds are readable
8,19
